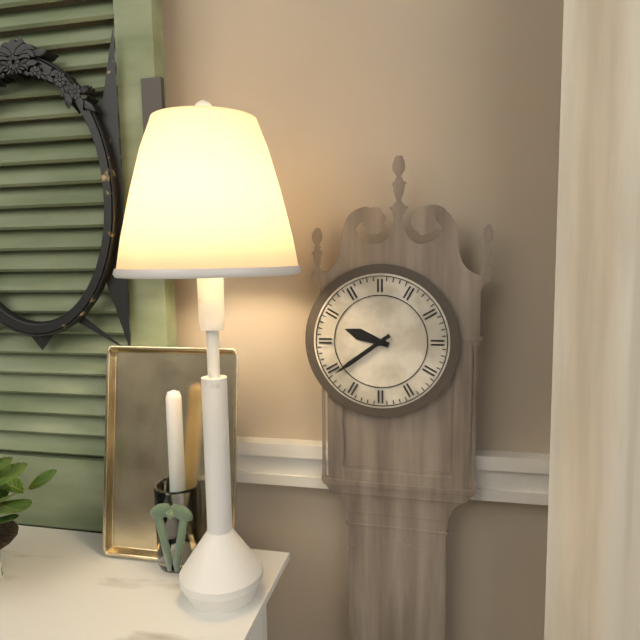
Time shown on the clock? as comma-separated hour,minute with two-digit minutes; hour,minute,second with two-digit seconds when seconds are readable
9,39
